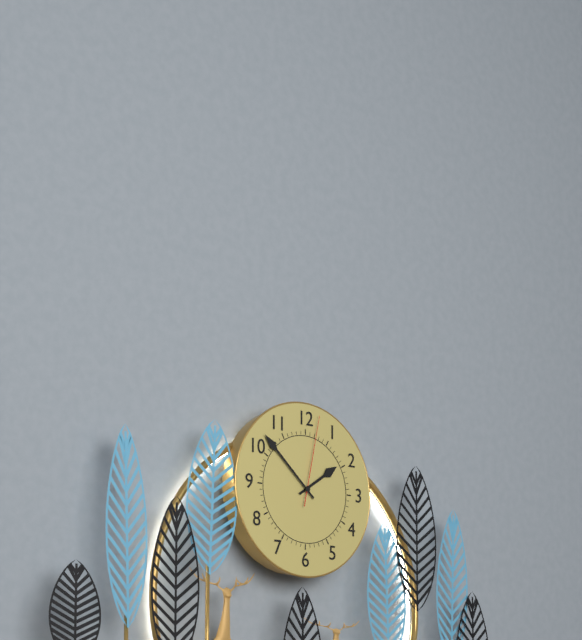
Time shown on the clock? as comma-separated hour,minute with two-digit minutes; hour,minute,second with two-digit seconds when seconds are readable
1,52,02
